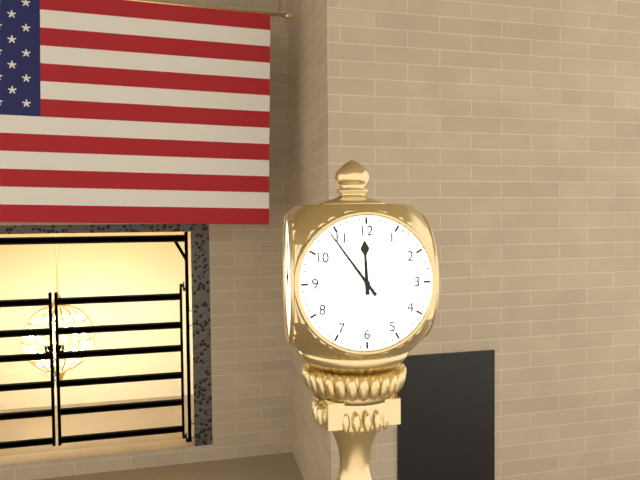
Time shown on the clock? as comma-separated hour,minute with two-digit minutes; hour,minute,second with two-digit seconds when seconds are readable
11,54
